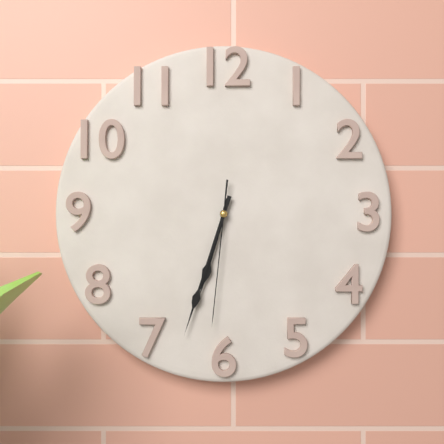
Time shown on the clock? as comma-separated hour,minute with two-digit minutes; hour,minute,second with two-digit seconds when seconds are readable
6,33,31
